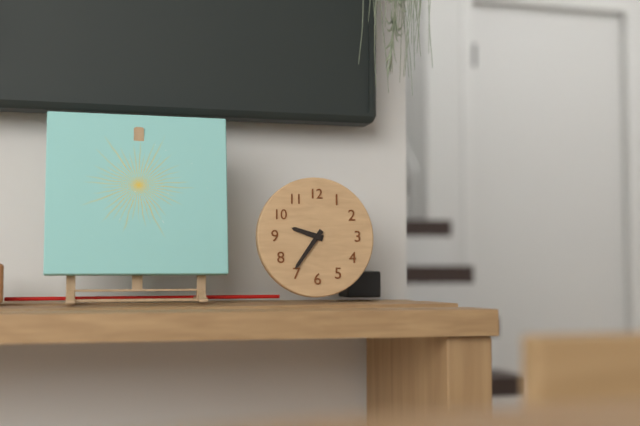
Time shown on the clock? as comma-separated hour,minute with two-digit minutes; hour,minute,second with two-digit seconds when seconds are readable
9,36
